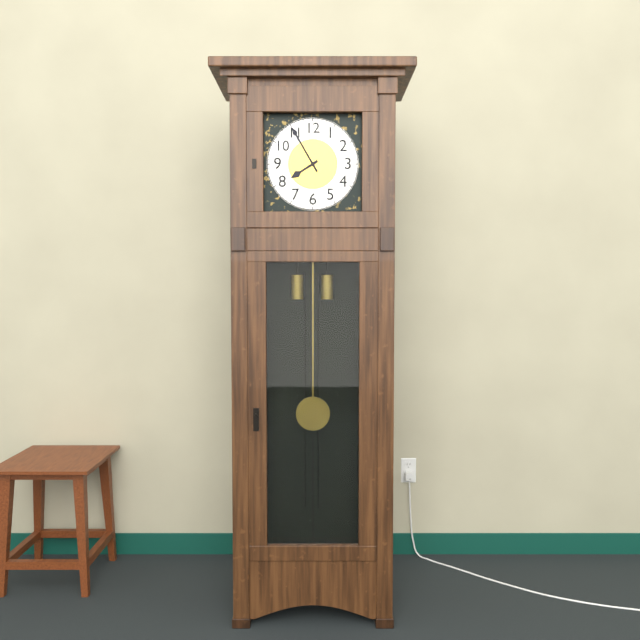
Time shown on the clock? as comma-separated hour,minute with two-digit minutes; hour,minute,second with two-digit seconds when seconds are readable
7,55
